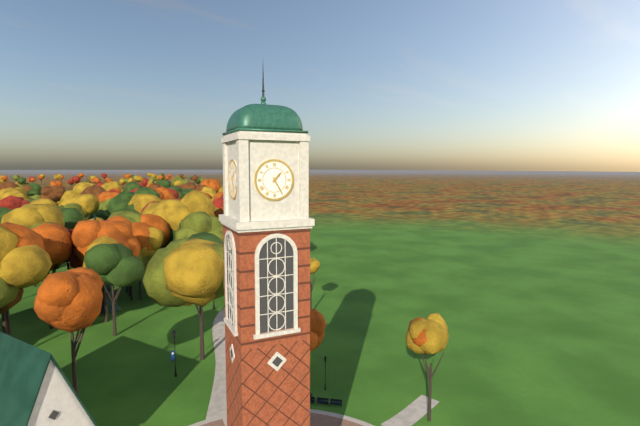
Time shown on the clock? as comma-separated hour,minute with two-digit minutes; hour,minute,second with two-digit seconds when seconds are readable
1,25
